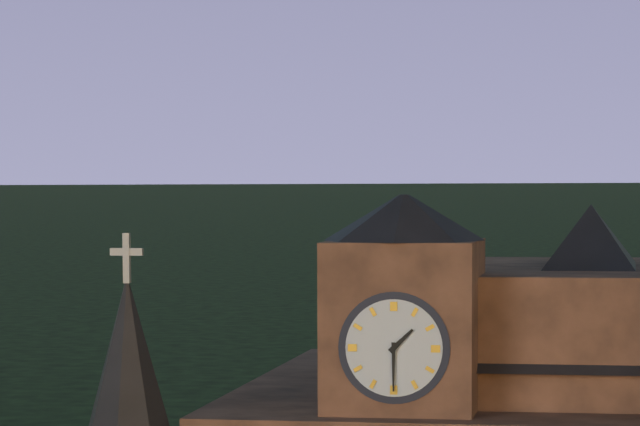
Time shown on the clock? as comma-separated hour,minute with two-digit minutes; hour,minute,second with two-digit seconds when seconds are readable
1,30
